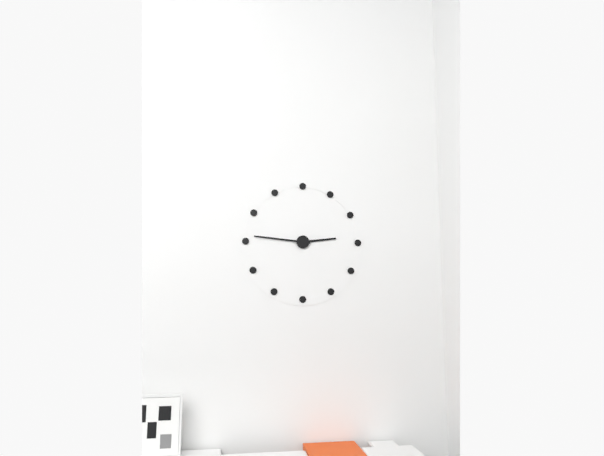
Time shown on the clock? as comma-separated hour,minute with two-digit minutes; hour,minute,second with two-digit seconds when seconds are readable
2,46
